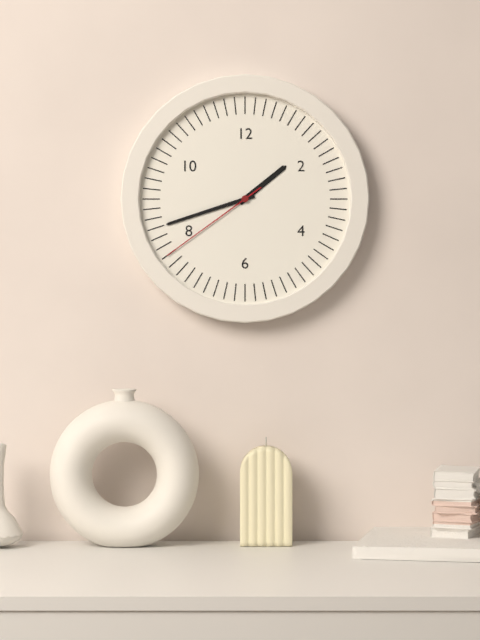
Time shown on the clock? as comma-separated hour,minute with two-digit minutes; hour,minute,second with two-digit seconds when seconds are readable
1,42,39
